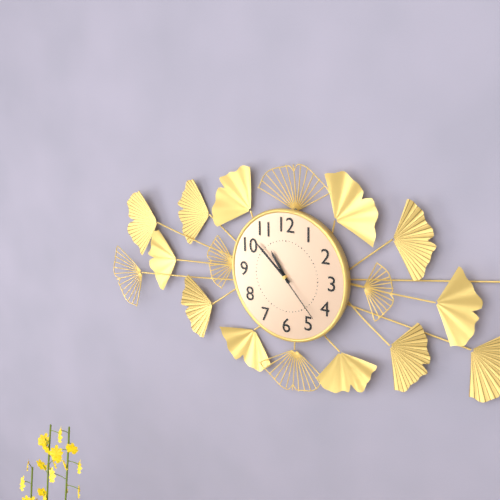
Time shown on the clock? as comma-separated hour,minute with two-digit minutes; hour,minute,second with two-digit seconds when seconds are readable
10,52,23
